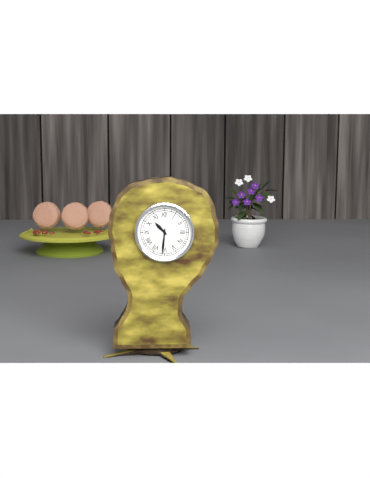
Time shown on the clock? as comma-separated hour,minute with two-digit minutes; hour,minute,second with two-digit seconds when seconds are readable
10,31
